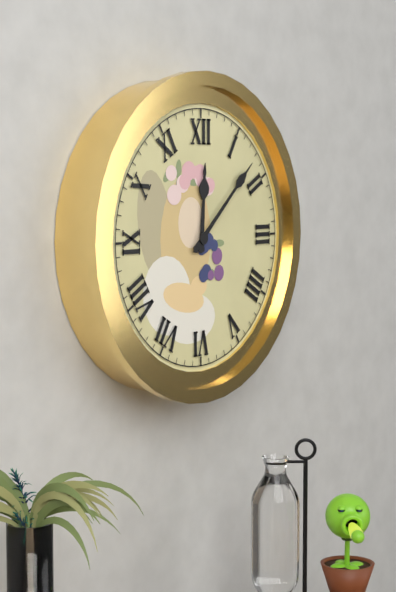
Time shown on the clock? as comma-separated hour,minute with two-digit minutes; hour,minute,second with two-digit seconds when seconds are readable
12,08
